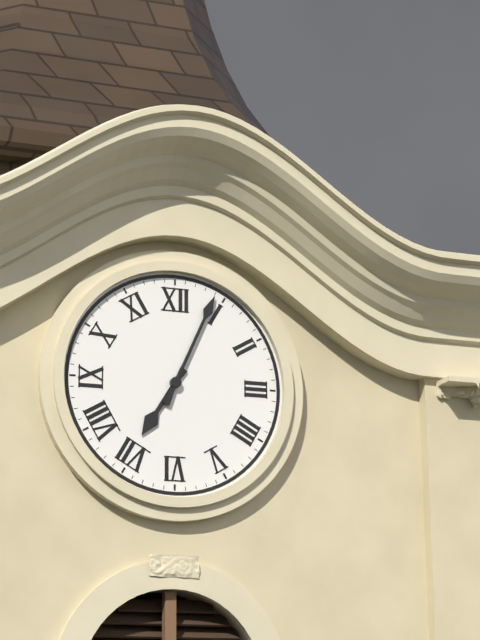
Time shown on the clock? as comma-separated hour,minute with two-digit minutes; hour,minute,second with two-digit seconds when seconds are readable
7,04
